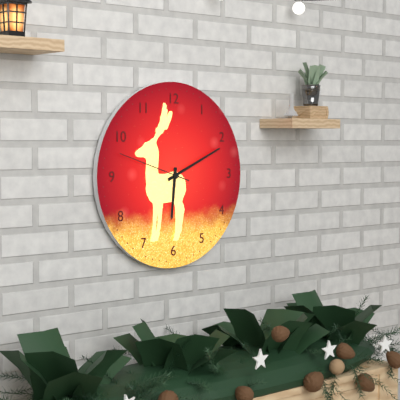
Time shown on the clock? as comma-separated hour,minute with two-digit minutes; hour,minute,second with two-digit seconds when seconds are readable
6,11,48
